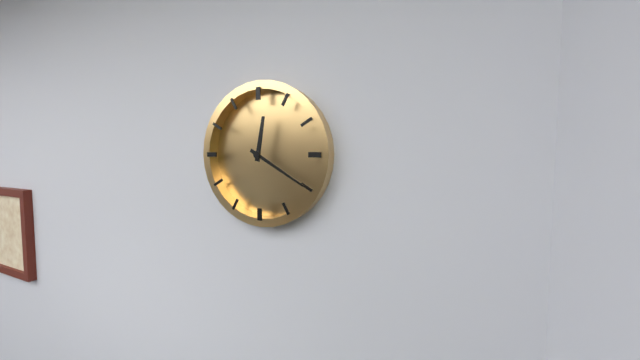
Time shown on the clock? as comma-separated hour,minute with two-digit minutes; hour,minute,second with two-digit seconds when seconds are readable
12,20
